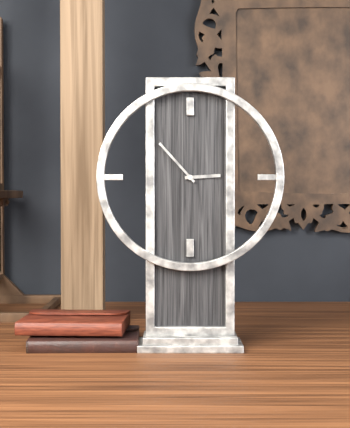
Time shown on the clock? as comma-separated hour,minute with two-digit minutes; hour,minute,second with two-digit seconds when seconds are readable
2,53
